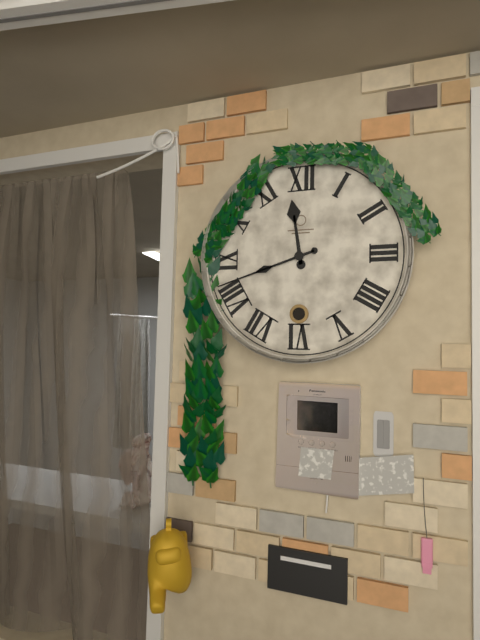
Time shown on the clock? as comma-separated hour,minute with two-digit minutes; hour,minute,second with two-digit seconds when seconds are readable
11,42
